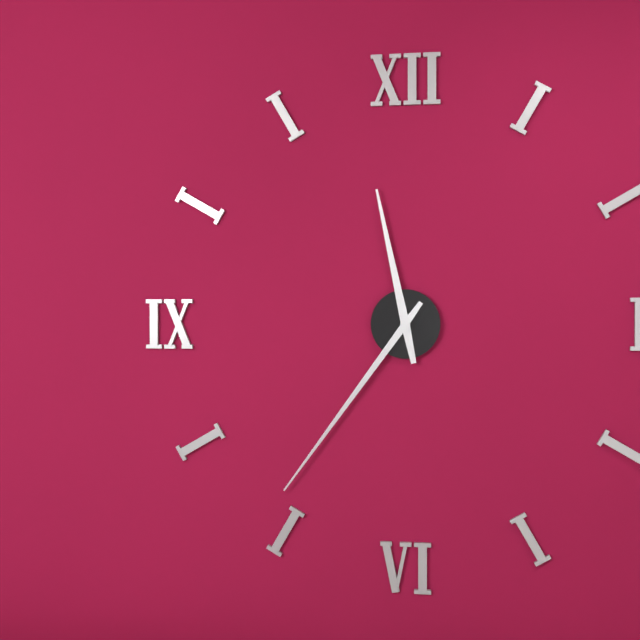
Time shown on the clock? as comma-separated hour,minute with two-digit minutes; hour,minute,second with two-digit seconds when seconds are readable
11,36
